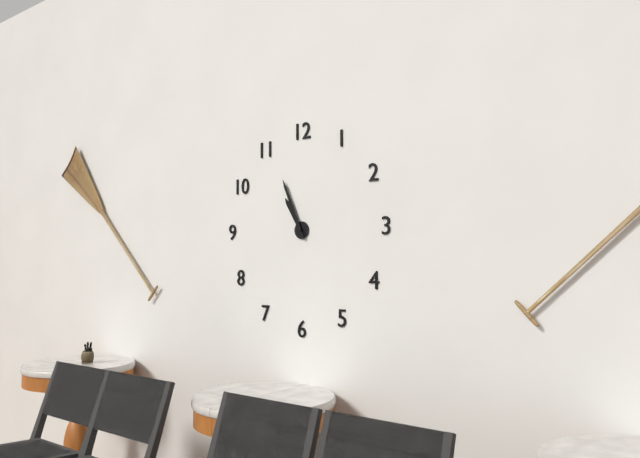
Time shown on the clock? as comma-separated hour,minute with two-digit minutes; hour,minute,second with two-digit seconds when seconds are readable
10,56
